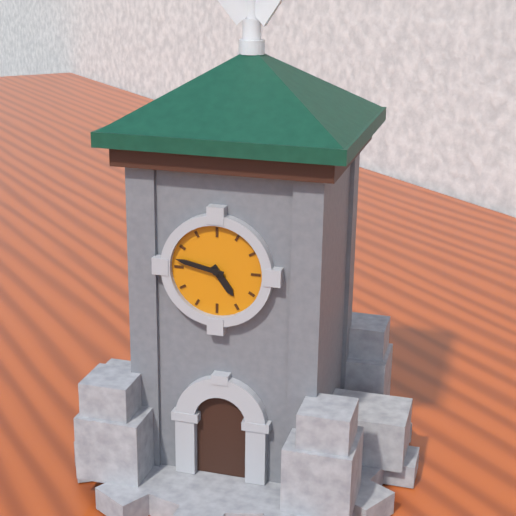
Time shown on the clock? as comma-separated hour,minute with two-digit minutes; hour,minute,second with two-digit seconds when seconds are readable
4,47
